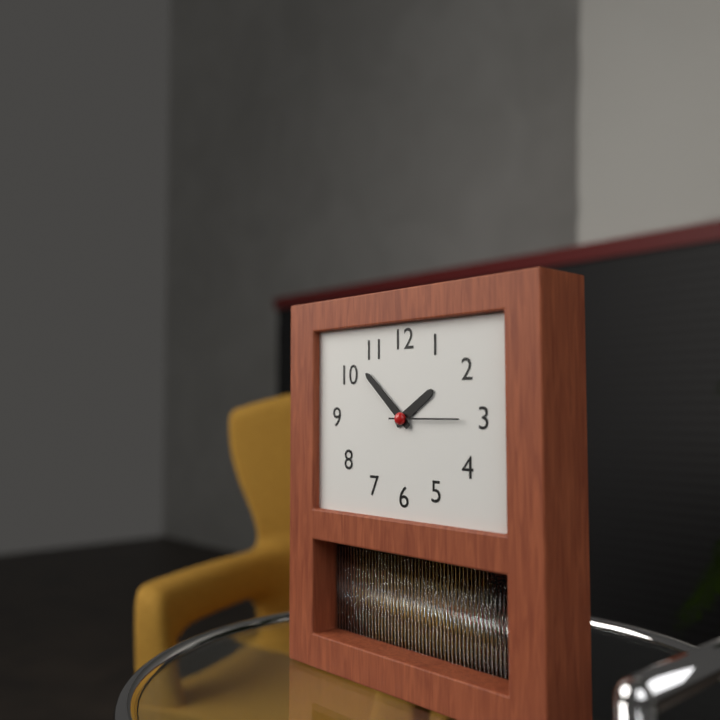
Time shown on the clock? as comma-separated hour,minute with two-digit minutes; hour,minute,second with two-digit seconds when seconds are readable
1,52,15
